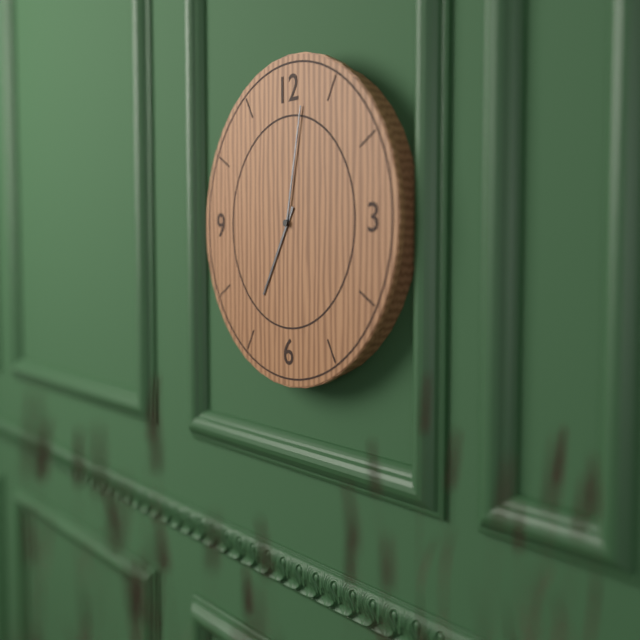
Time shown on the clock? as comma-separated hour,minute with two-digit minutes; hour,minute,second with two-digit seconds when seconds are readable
7,02
